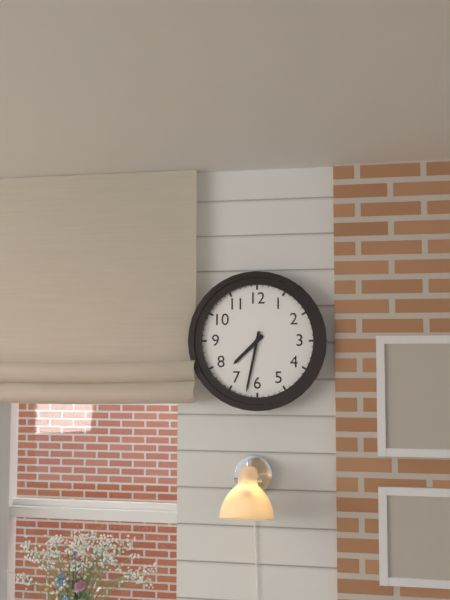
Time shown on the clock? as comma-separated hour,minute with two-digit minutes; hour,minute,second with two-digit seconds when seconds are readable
7,32
